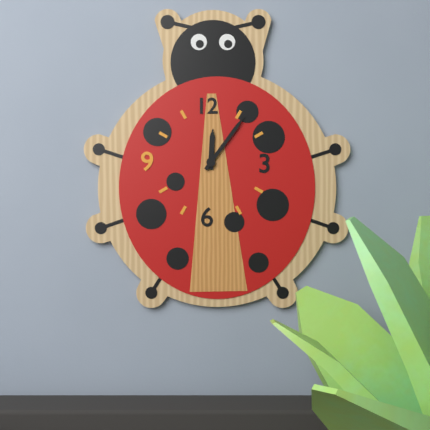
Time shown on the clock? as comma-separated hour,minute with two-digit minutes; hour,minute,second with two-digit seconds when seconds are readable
12,06
